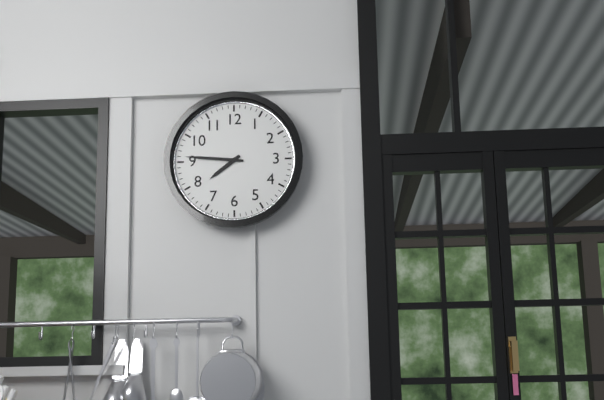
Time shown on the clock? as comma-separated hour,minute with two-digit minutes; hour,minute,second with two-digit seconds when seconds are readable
7,46
